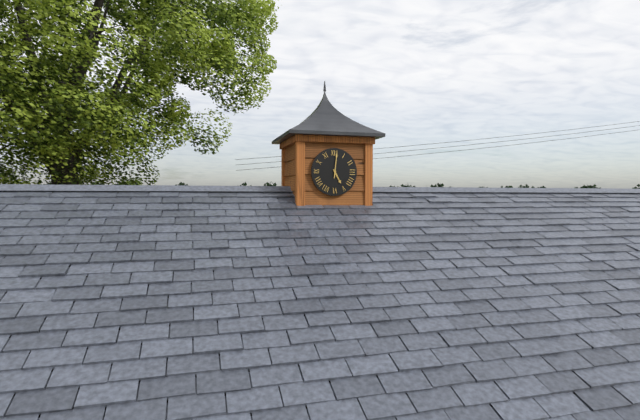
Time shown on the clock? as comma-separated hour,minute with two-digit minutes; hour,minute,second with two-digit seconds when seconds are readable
5,01
